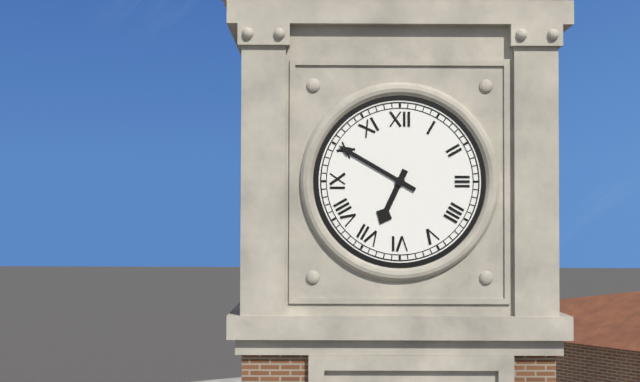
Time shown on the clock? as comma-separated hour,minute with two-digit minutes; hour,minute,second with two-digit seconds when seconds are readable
6,50
